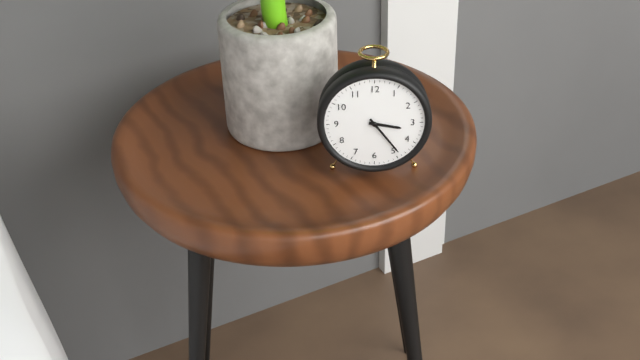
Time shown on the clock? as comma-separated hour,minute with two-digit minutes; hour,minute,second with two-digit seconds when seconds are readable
3,24
